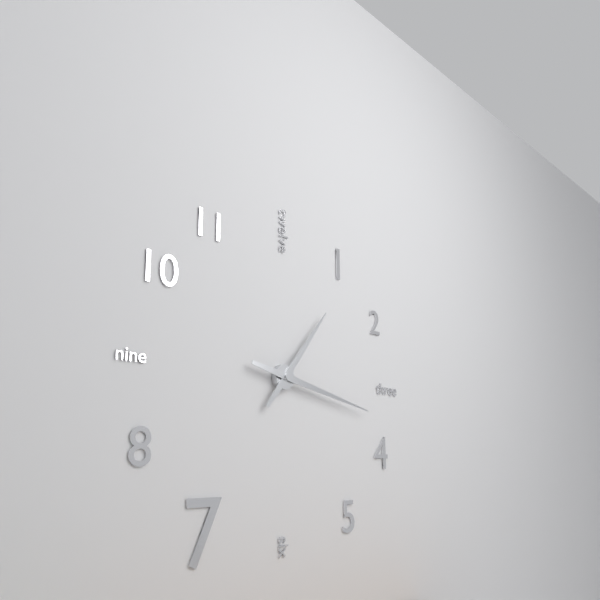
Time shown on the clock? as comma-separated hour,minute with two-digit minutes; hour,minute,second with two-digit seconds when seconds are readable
1,17
